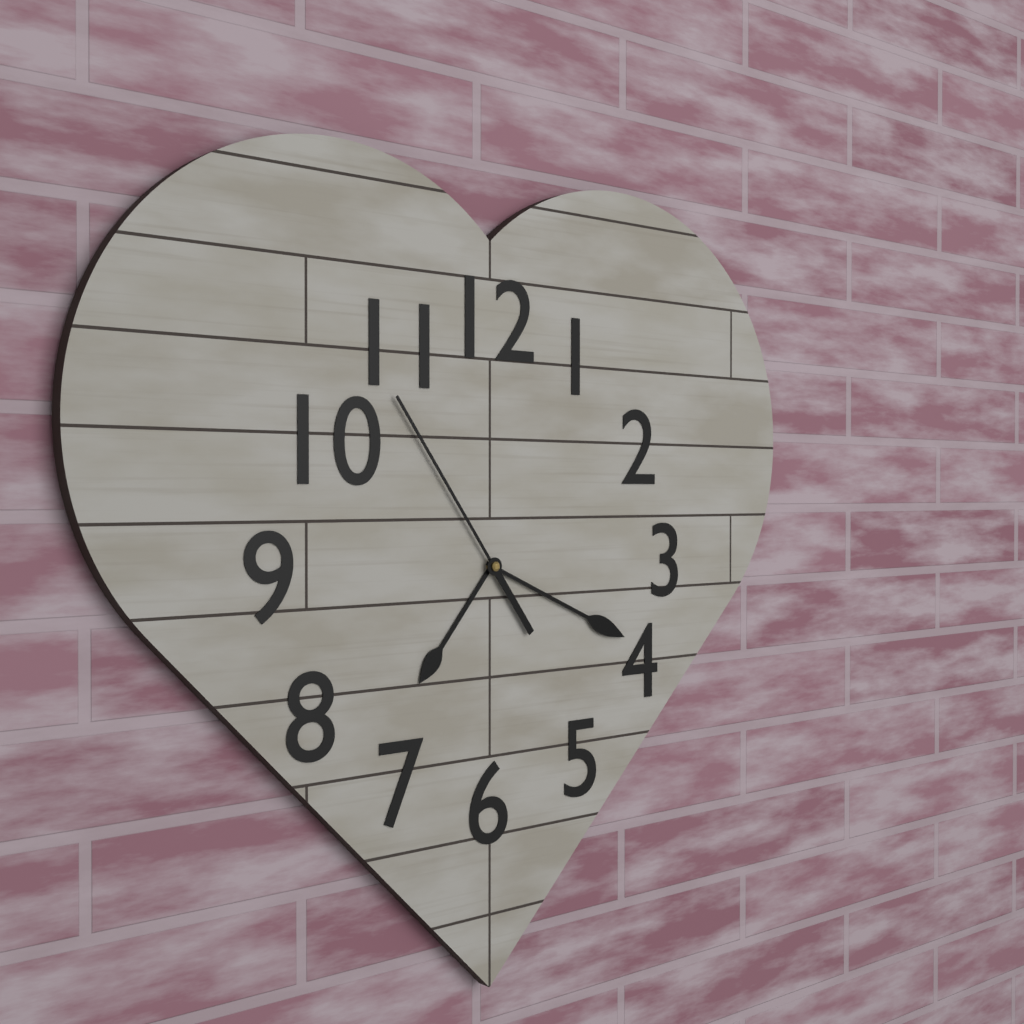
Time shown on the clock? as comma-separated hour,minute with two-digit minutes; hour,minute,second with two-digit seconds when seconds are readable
7,19,54
